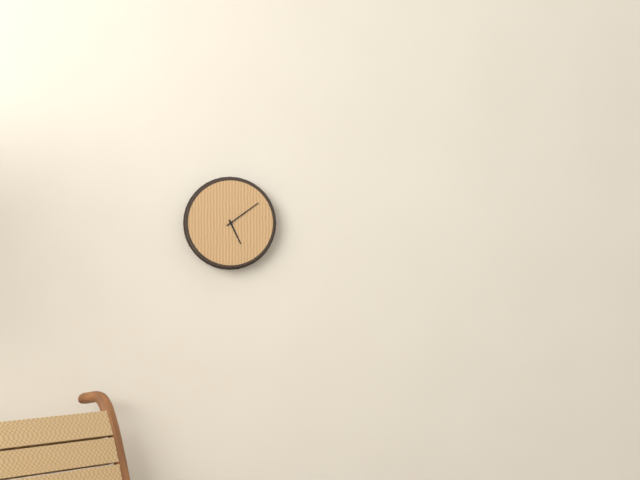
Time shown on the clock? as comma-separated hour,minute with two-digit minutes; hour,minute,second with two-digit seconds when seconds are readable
5,09
